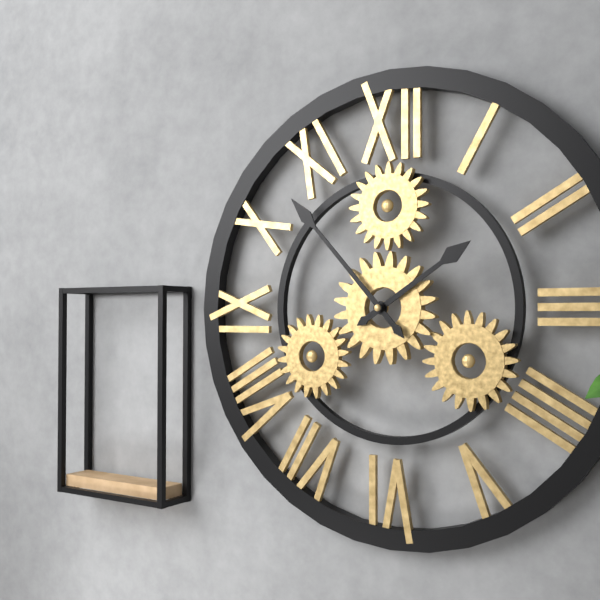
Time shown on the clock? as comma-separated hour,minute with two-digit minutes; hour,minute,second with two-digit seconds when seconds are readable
1,53
